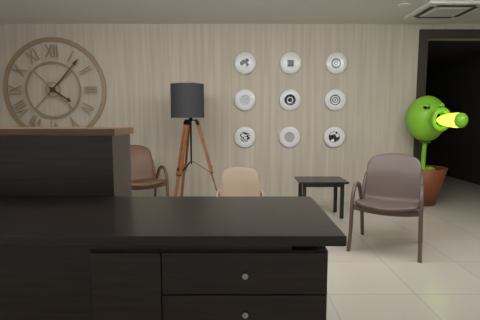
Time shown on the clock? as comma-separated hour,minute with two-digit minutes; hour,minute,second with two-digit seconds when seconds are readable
4,07
